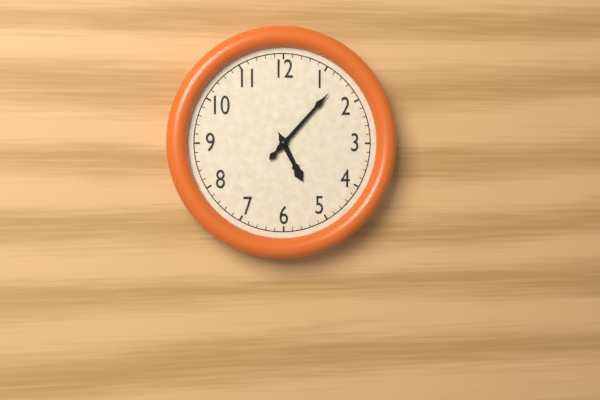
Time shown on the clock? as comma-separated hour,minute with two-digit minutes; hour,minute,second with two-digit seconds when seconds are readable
5,07
